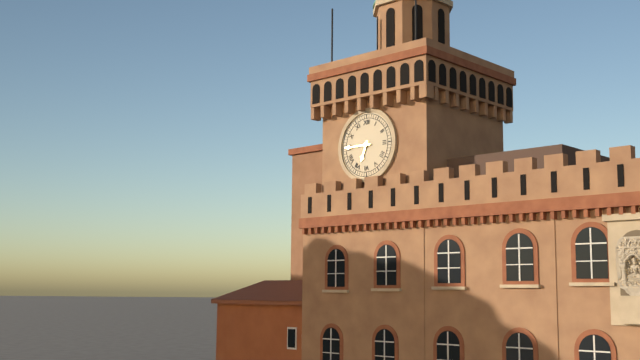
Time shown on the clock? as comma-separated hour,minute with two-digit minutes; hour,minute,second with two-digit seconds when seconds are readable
6,45
